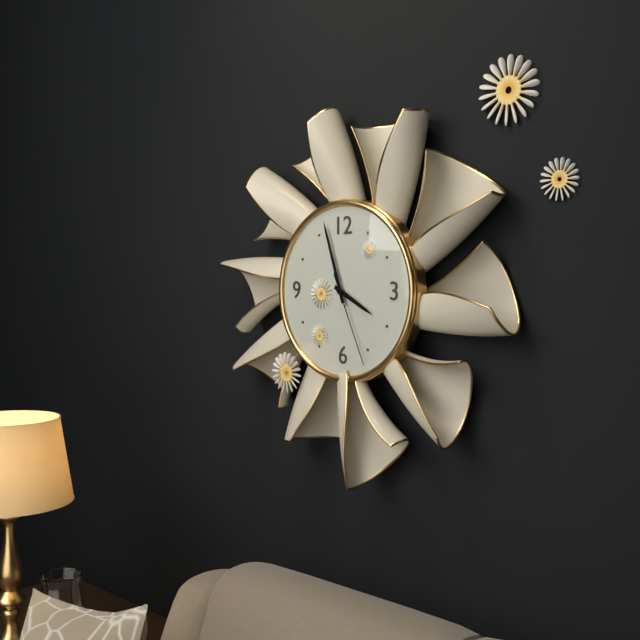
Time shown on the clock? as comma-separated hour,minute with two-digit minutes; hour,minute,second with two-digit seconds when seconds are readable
3,57,26
